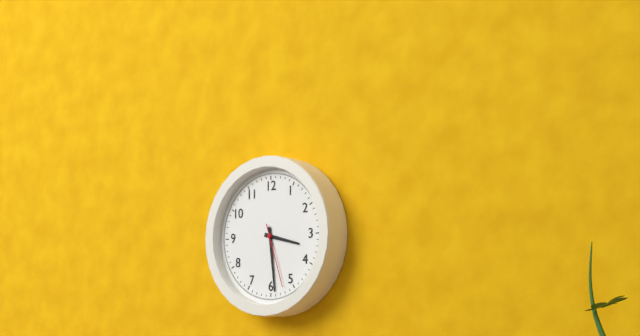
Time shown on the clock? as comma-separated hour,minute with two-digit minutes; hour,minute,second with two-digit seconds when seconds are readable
3,29,27
